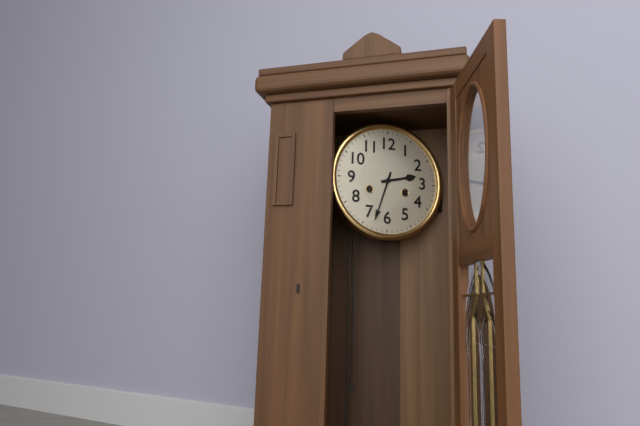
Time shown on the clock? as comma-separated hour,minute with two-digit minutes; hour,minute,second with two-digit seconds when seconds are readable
2,33
